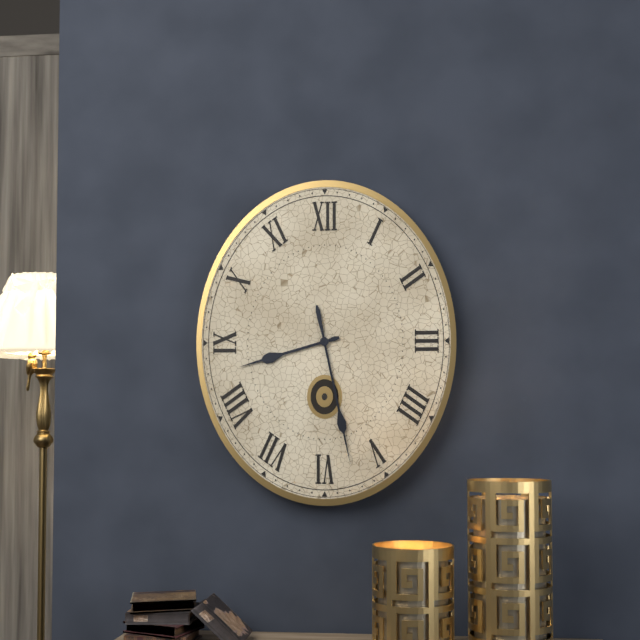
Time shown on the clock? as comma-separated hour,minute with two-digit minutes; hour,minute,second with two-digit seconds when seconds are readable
8,28
